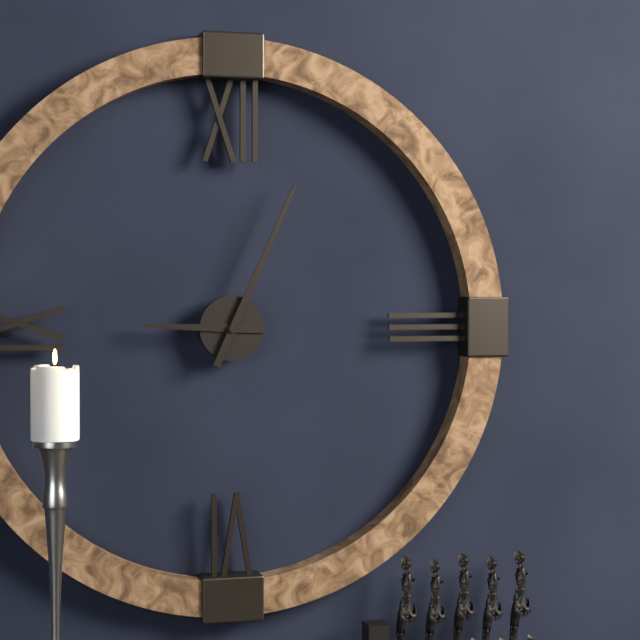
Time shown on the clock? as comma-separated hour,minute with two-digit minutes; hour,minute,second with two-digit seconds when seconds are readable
9,04
